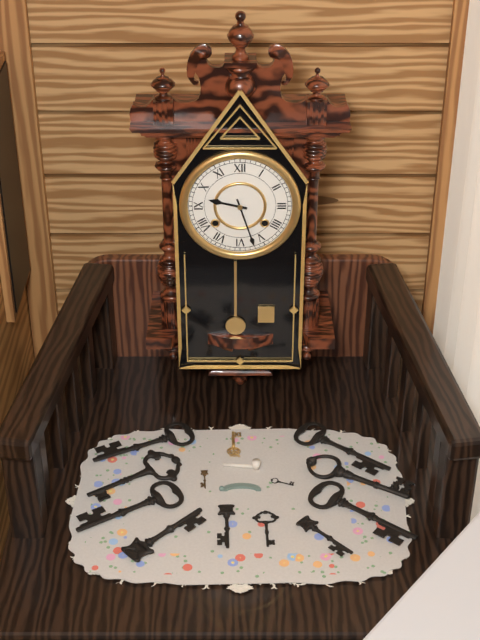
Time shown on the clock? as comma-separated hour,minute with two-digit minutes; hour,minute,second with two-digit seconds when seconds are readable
9,27
